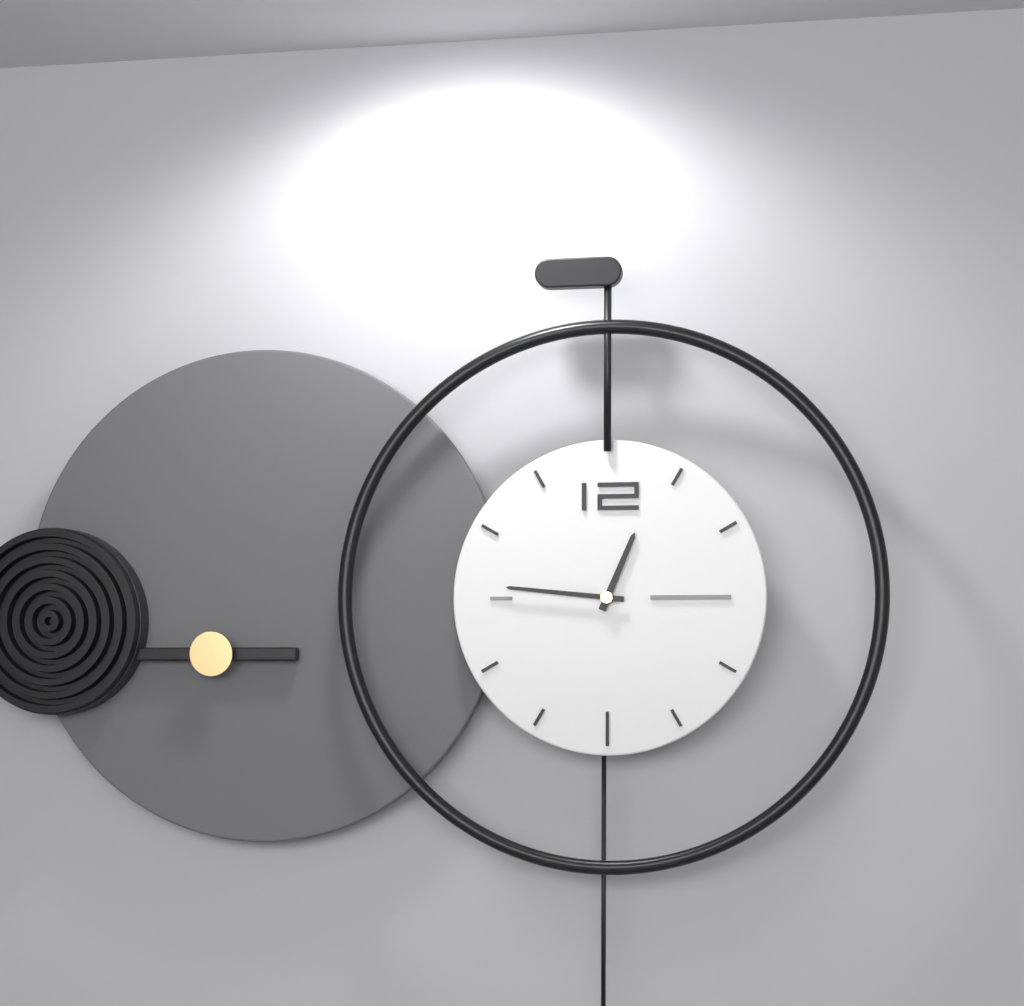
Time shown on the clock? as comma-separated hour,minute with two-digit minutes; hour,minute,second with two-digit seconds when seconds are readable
12,46
